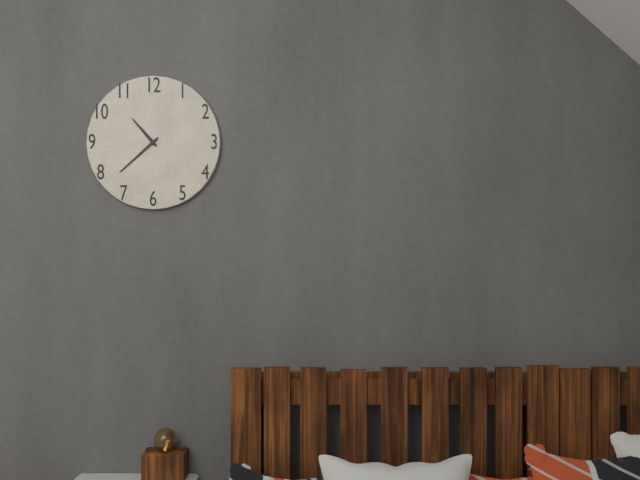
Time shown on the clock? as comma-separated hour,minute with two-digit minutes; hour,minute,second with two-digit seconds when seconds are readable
10,38
